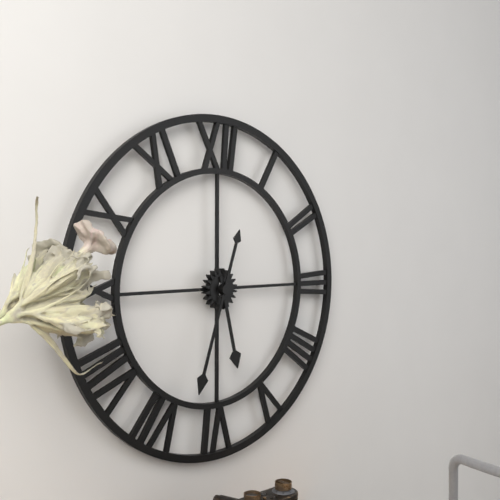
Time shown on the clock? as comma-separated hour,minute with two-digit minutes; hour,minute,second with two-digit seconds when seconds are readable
5,33
